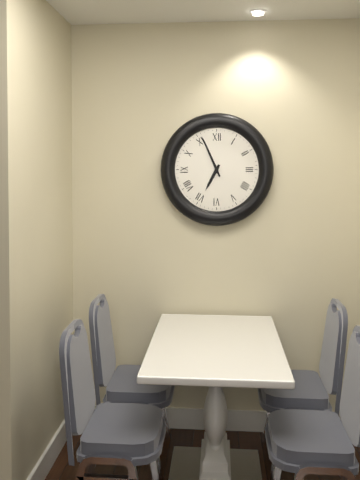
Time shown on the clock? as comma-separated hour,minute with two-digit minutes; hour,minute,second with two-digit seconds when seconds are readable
6,56
